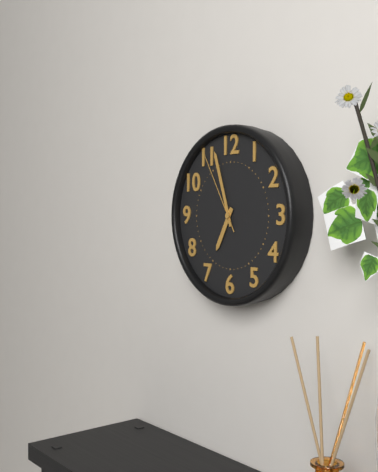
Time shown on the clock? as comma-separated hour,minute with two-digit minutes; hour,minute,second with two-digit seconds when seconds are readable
6,57,55
